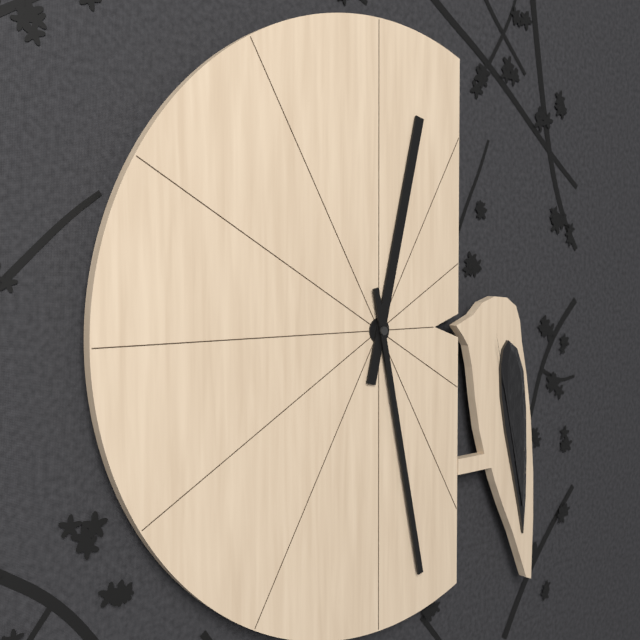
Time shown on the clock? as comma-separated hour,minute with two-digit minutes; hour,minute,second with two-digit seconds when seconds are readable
12,28
